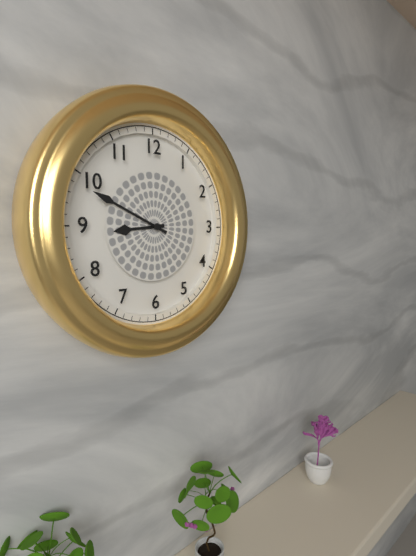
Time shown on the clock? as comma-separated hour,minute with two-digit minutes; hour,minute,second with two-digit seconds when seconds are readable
8,49
